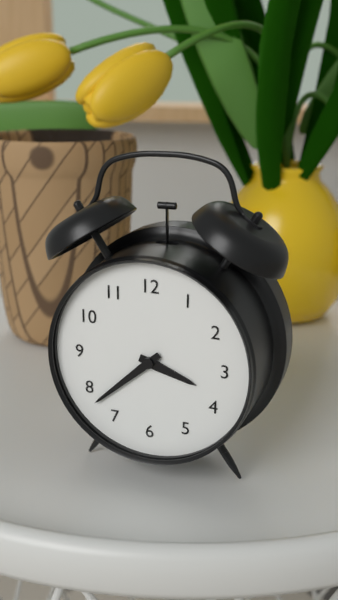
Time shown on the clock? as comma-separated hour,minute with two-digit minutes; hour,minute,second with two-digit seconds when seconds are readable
3,38
